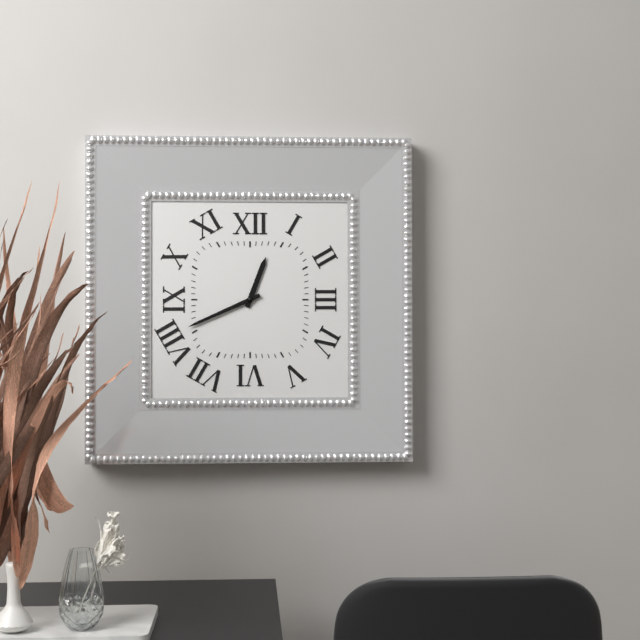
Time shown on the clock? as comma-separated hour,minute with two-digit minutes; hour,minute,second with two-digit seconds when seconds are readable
12,41
